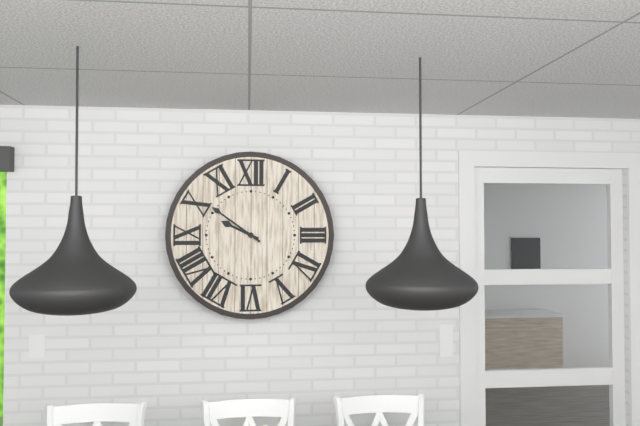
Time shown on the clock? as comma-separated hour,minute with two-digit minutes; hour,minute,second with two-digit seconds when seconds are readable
9,51
